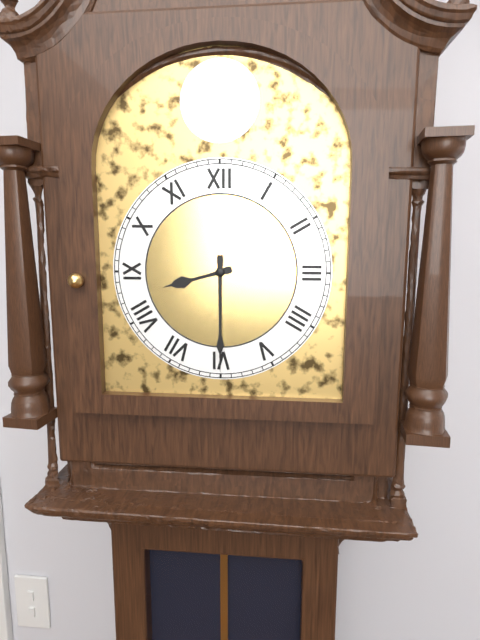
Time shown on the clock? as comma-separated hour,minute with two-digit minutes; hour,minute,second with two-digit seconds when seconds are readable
8,30
